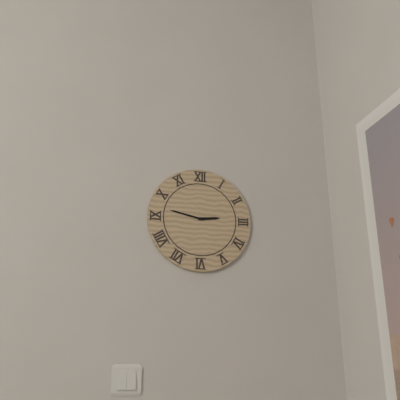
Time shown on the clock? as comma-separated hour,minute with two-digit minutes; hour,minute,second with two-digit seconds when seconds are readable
2,47
